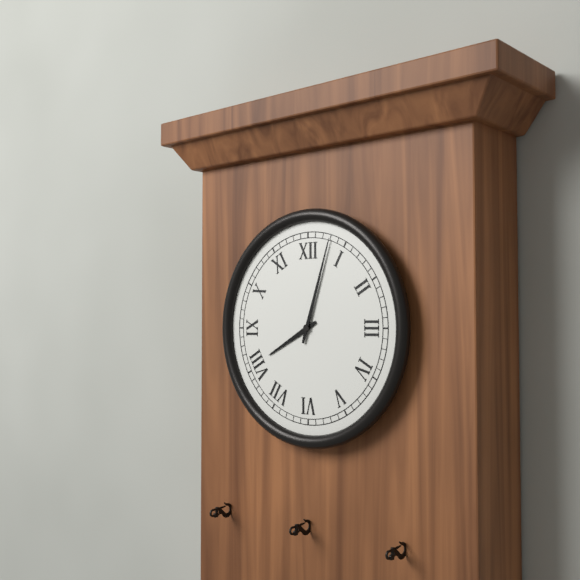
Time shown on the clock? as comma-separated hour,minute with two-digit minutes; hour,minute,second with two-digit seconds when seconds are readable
8,03
